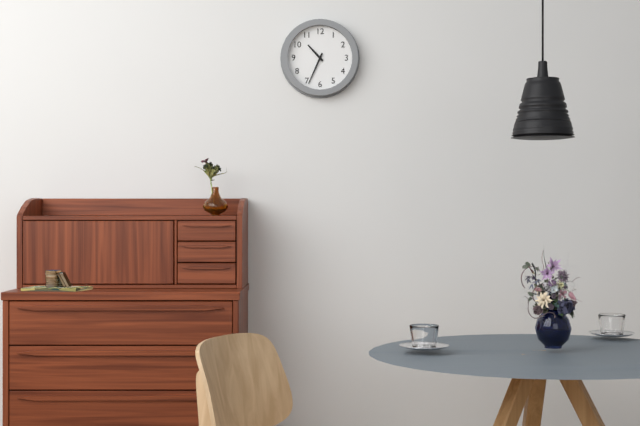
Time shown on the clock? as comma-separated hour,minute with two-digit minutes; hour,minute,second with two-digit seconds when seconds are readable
10,34
